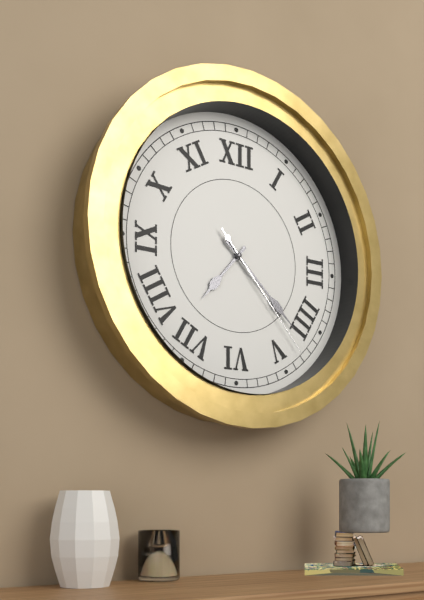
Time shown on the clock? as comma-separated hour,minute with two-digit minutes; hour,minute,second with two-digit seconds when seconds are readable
7,22,23
